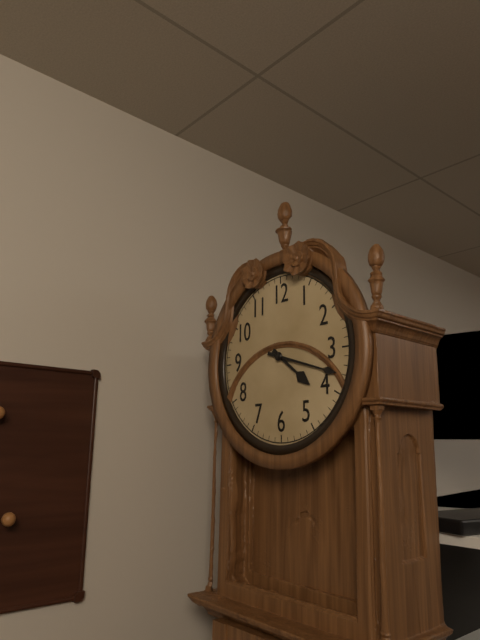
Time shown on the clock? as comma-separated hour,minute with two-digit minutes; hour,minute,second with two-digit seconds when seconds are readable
4,18
